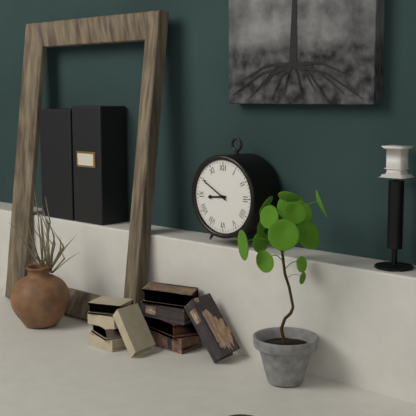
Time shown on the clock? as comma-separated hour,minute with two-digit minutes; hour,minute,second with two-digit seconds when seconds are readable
8,50
